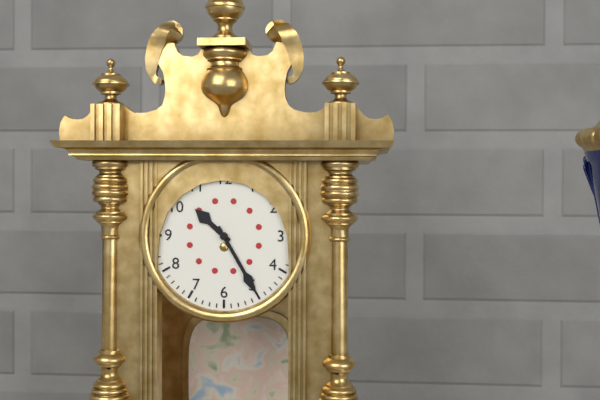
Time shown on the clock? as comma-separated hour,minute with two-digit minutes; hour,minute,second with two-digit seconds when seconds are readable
10,25
